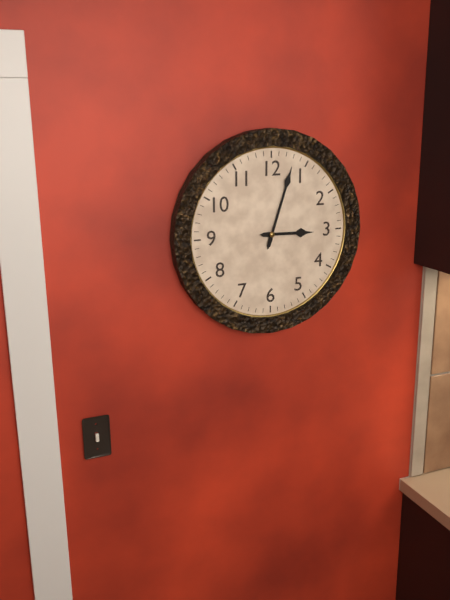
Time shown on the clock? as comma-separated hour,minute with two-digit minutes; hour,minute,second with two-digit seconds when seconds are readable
3,03
